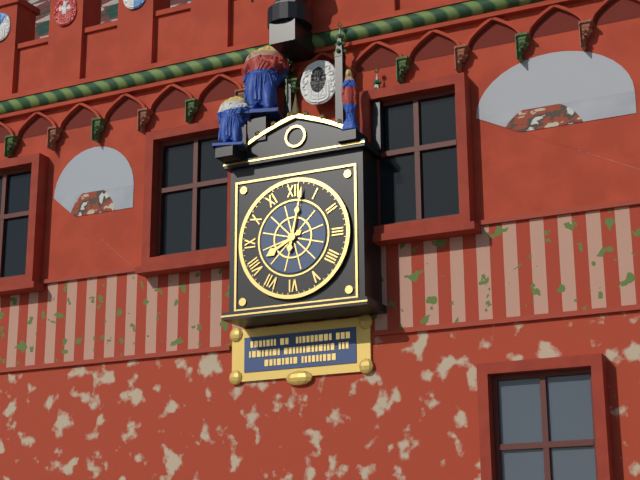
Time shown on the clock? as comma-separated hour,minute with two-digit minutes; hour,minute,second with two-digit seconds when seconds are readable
8,02
